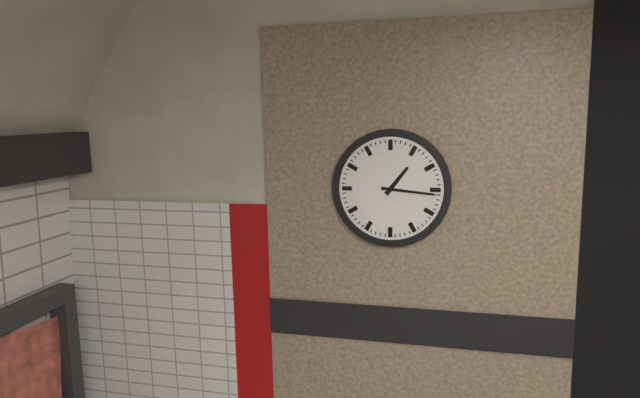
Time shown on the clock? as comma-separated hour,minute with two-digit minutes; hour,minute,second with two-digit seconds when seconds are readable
1,16
